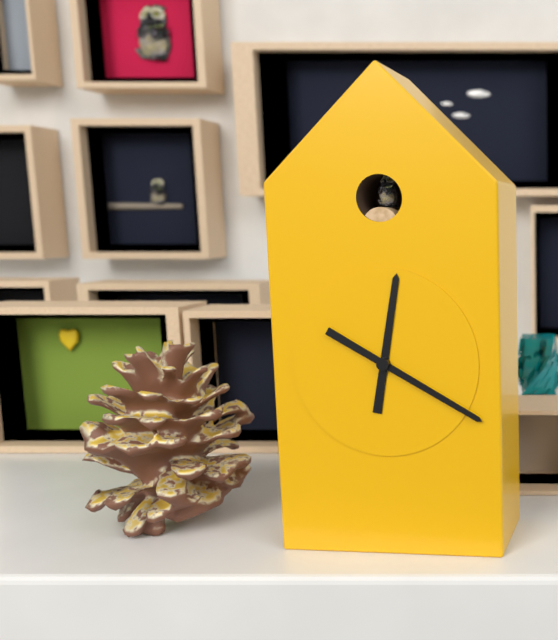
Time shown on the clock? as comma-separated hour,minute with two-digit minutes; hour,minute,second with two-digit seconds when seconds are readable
12,20
